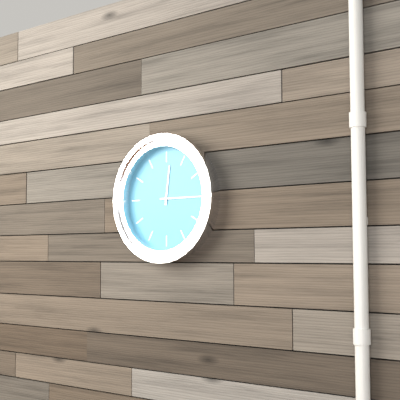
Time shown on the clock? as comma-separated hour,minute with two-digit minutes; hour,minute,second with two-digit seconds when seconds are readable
12,15
